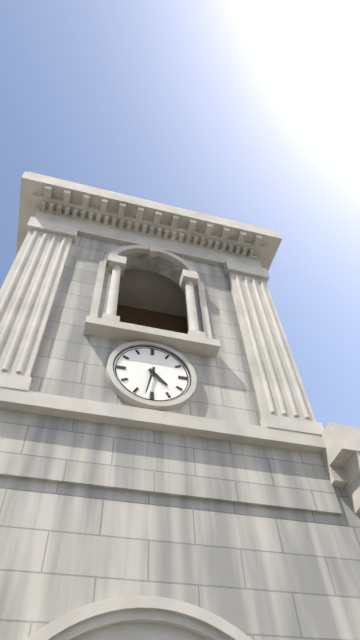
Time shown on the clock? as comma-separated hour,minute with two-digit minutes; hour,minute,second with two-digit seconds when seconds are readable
4,32
